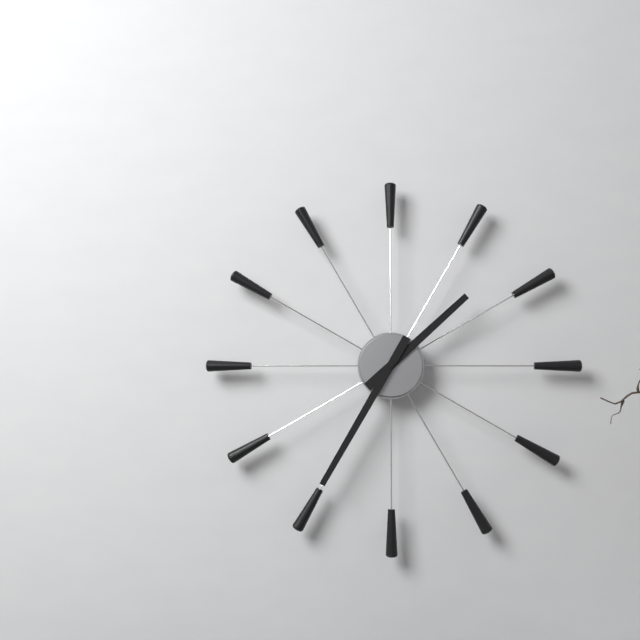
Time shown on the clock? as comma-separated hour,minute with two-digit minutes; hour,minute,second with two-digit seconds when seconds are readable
1,35
